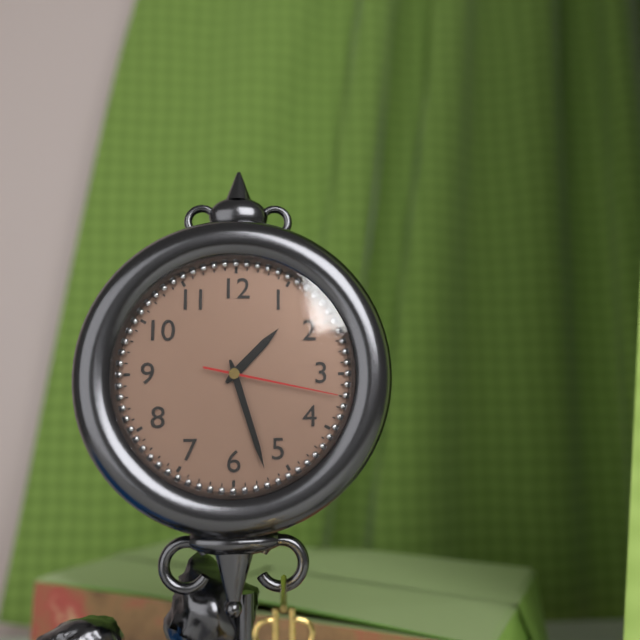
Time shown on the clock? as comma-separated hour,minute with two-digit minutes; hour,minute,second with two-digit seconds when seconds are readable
1,27,17
